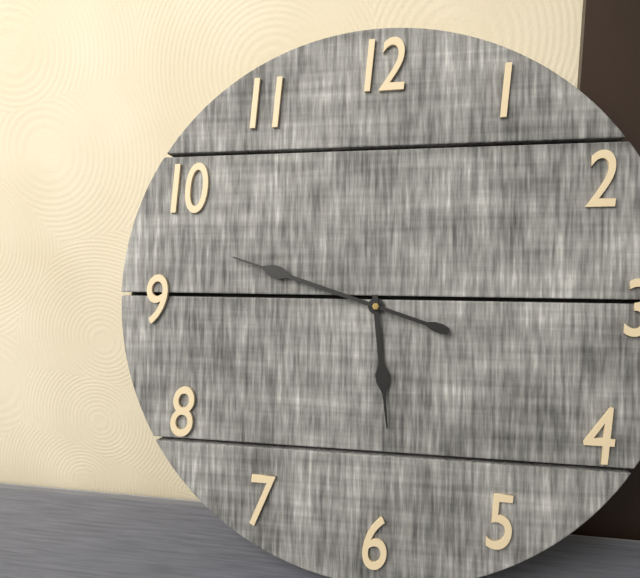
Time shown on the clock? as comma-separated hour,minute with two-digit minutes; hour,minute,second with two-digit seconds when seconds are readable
5,48
